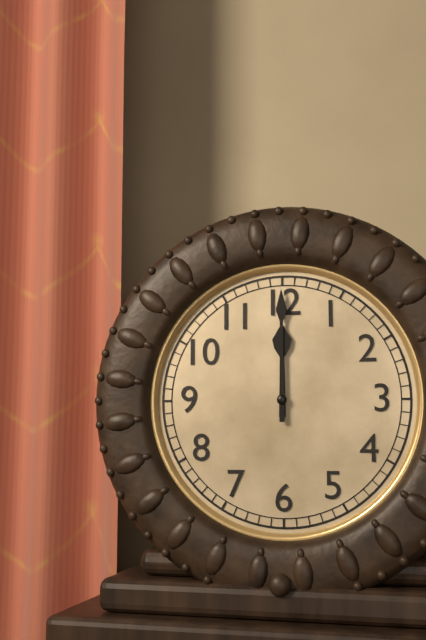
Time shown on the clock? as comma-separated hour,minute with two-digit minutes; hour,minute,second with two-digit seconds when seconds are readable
12,00
